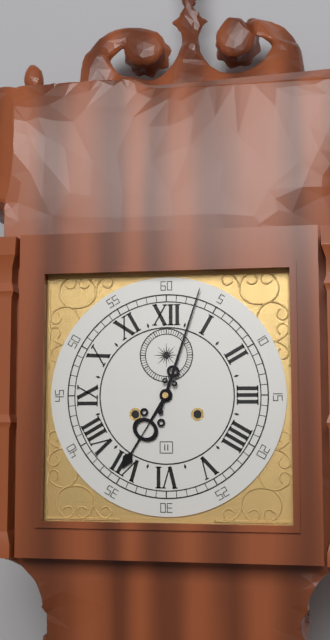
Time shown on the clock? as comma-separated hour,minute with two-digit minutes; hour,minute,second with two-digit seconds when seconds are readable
7,03
